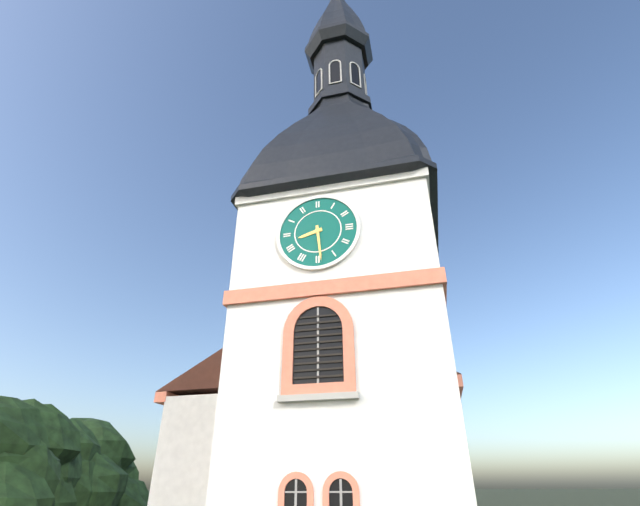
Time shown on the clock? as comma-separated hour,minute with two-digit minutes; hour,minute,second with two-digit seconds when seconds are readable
8,29
